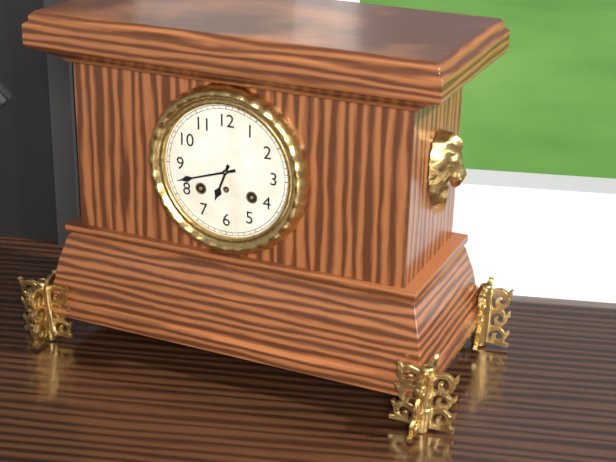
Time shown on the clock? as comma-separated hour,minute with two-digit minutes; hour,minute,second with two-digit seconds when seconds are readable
6,42
